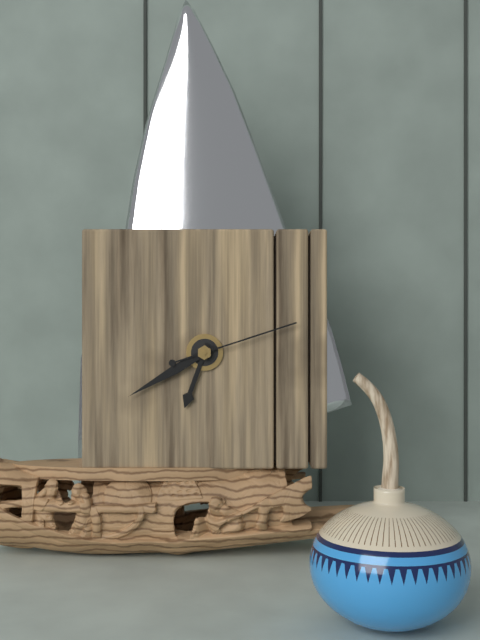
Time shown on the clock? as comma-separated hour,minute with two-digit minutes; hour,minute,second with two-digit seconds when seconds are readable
6,40,12
